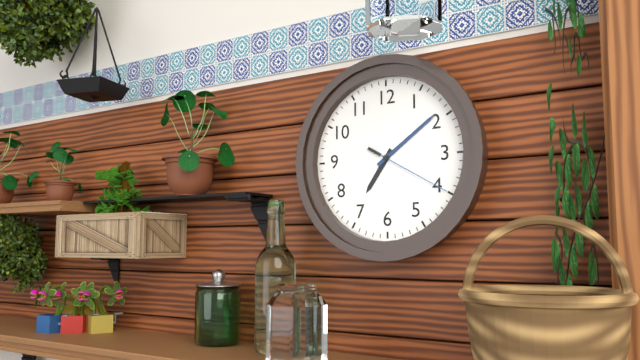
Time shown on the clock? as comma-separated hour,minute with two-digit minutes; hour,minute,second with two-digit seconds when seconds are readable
7,09,20
